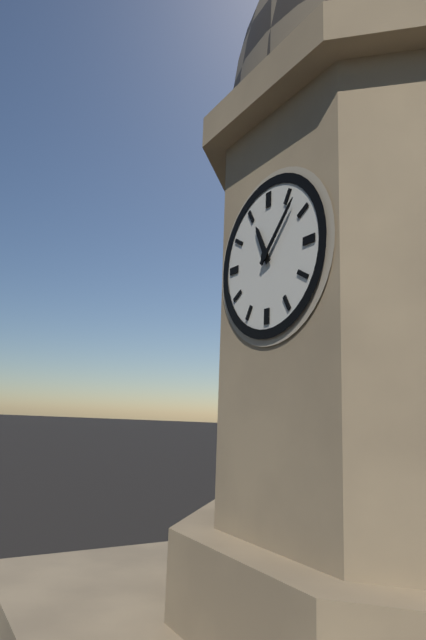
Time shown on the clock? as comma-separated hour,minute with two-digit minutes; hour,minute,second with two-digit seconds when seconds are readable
11,07
